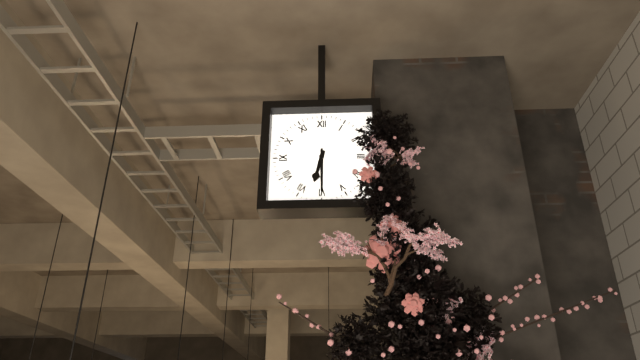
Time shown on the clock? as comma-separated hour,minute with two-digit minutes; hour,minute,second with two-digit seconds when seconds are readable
6,30
